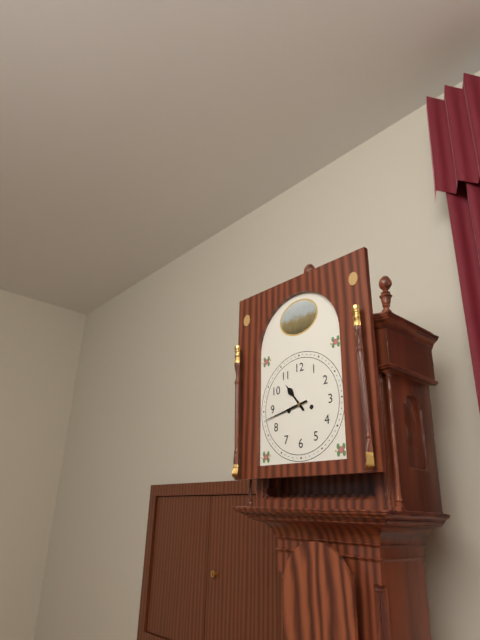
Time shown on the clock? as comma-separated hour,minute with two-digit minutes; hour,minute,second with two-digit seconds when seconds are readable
10,43
